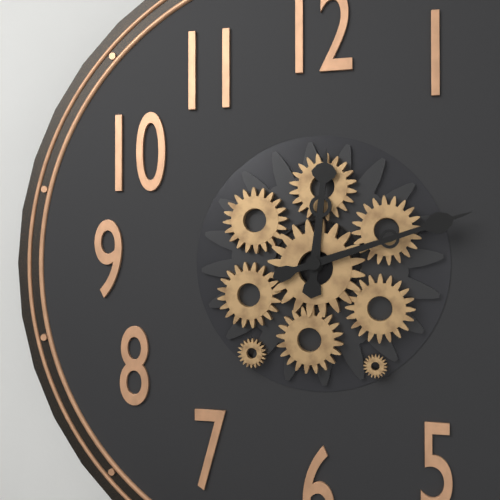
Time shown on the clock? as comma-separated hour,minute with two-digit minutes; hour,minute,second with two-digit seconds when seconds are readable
12,12
